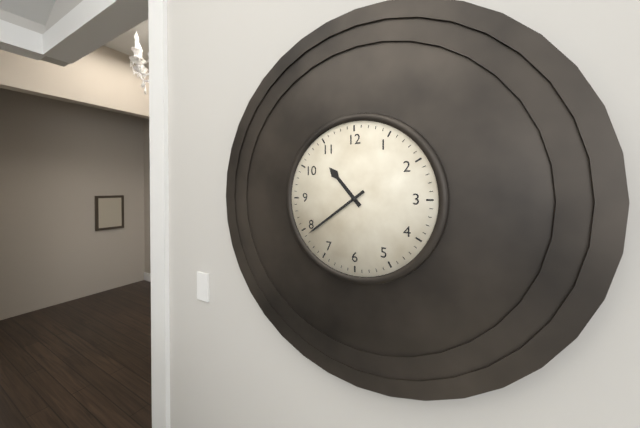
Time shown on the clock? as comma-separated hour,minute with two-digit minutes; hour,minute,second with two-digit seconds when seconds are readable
10,39
